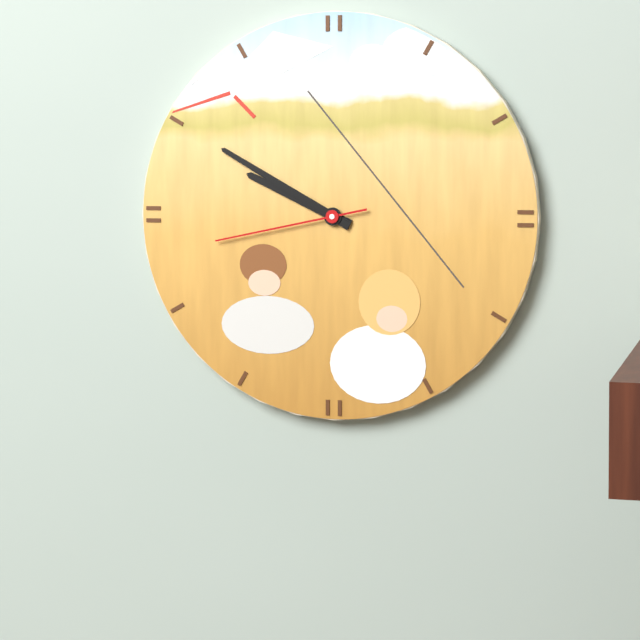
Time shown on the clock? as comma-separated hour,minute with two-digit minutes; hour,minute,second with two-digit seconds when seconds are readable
9,50,43
